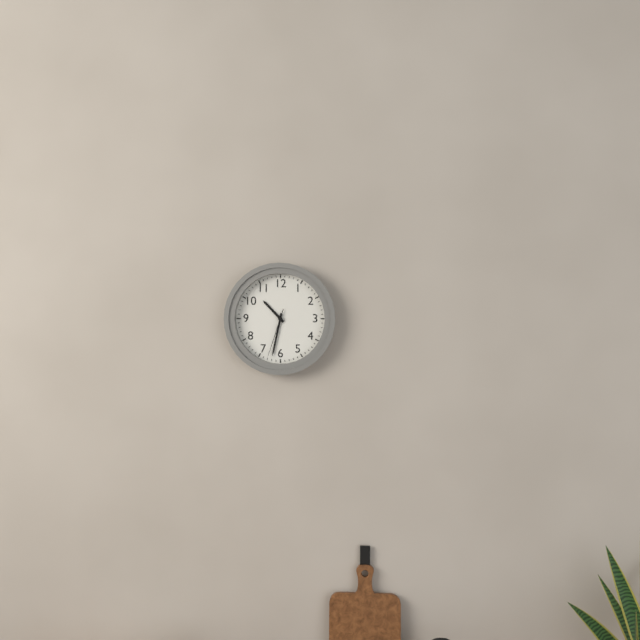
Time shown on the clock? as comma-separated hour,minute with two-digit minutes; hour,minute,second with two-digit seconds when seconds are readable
10,32,33
